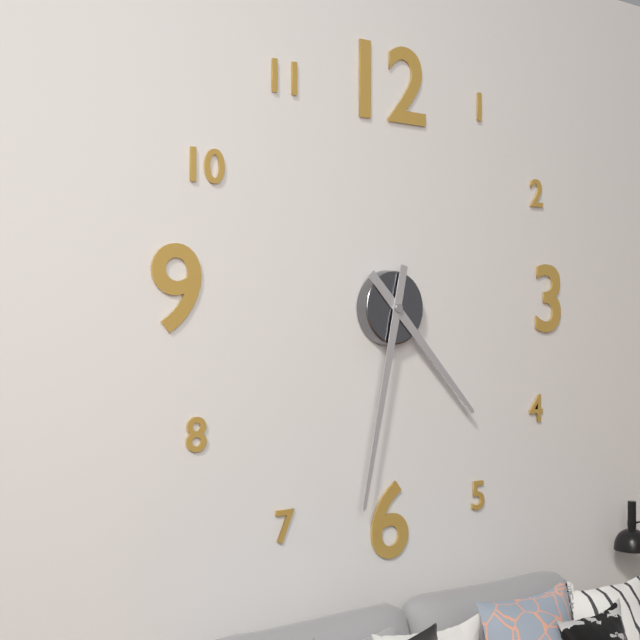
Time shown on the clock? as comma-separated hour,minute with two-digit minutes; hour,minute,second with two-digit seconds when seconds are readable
4,32
